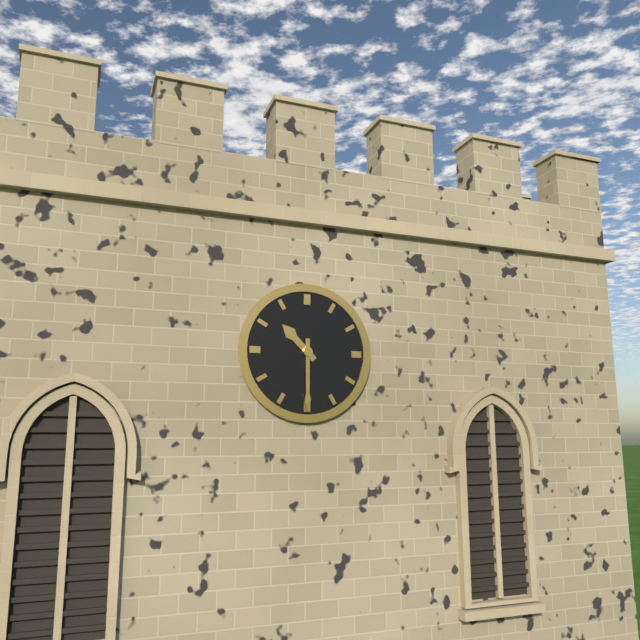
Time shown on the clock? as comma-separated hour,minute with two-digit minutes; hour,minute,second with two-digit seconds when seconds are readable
10,30
